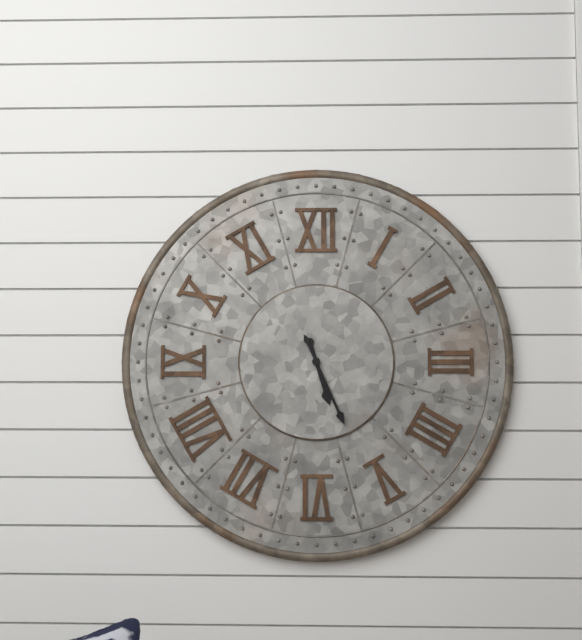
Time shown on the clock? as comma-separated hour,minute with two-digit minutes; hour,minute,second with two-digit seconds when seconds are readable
5,26
